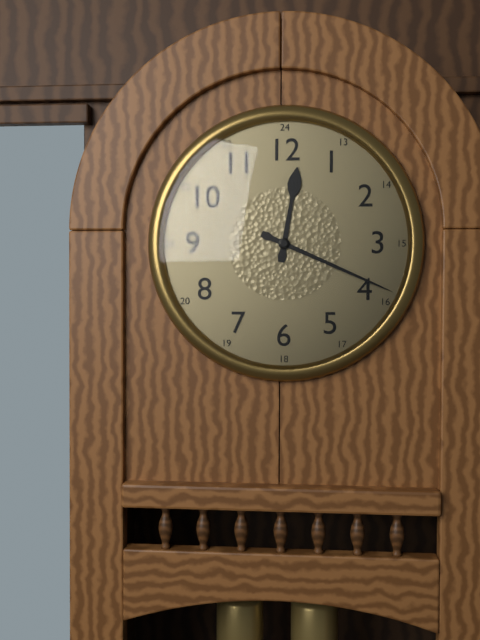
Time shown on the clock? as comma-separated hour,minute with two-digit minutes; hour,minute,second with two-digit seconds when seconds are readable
12,19
